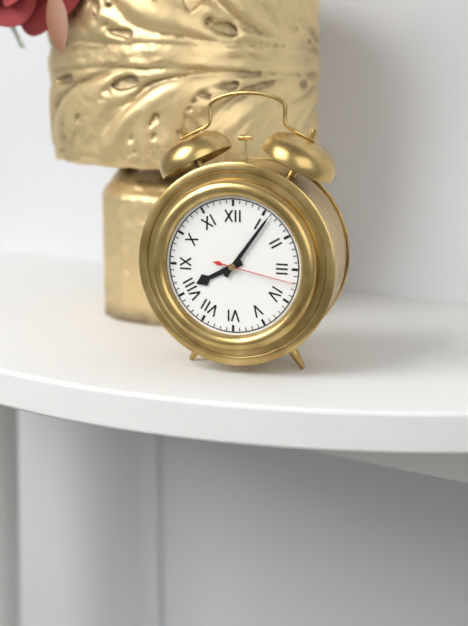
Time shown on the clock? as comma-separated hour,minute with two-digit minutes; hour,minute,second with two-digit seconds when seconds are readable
8,06,17
